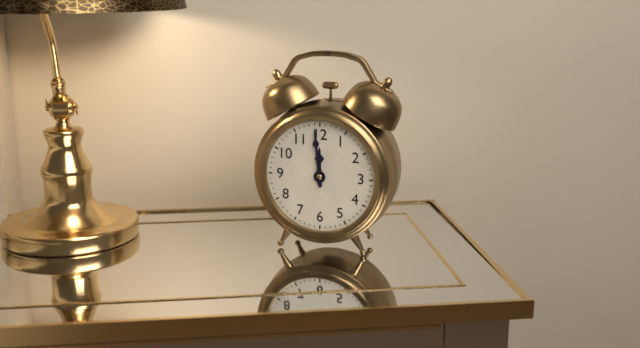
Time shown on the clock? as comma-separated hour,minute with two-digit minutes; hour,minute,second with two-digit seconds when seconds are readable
11,59
